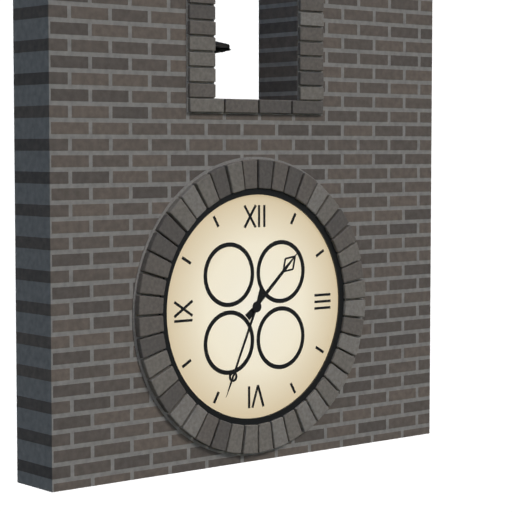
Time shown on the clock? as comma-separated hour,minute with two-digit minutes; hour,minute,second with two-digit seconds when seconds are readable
1,34
